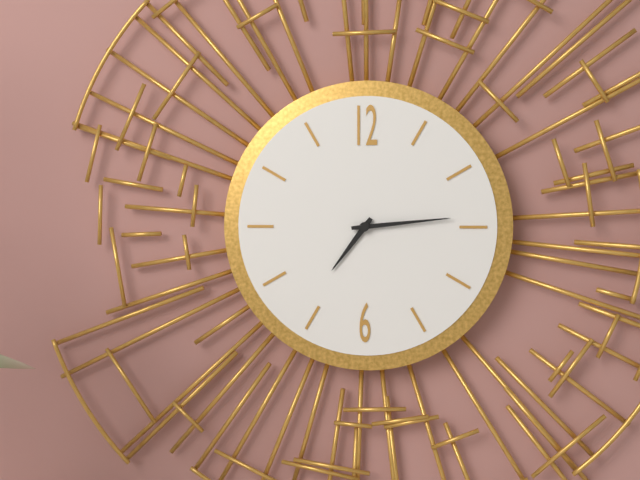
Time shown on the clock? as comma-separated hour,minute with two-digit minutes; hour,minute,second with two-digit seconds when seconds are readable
7,14
